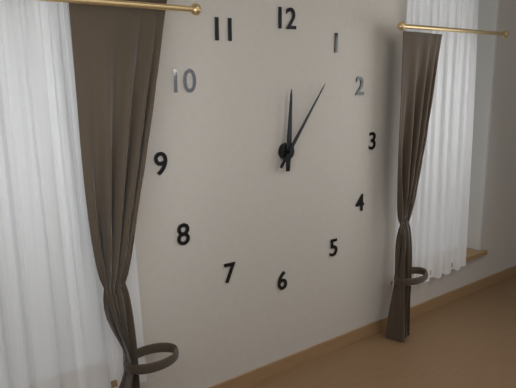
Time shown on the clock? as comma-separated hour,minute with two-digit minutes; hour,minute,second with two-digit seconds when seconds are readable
12,06
